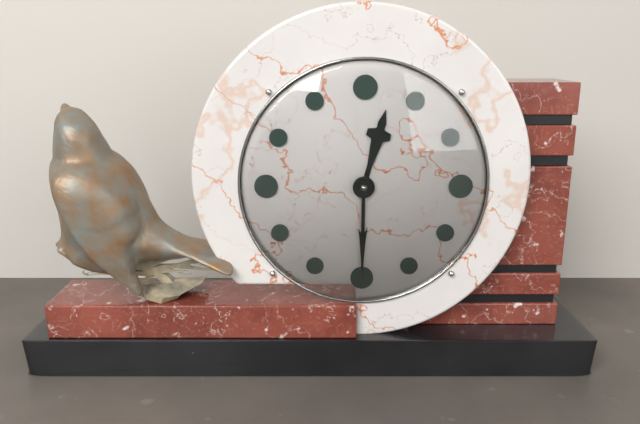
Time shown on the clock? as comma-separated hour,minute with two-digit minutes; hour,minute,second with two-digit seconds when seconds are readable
12,30
